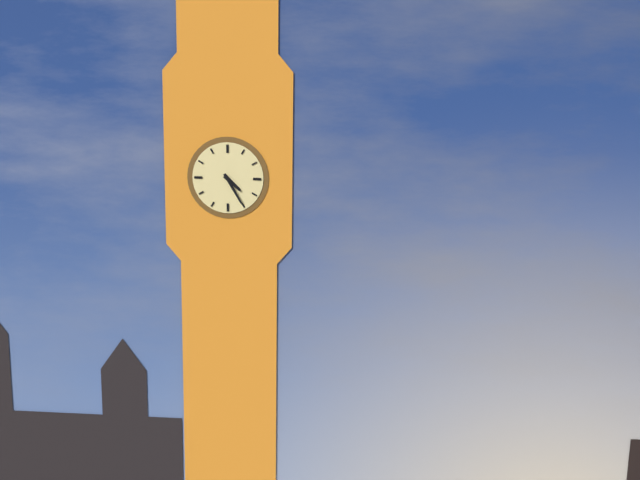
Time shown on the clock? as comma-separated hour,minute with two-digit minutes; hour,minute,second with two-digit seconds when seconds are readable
4,25
